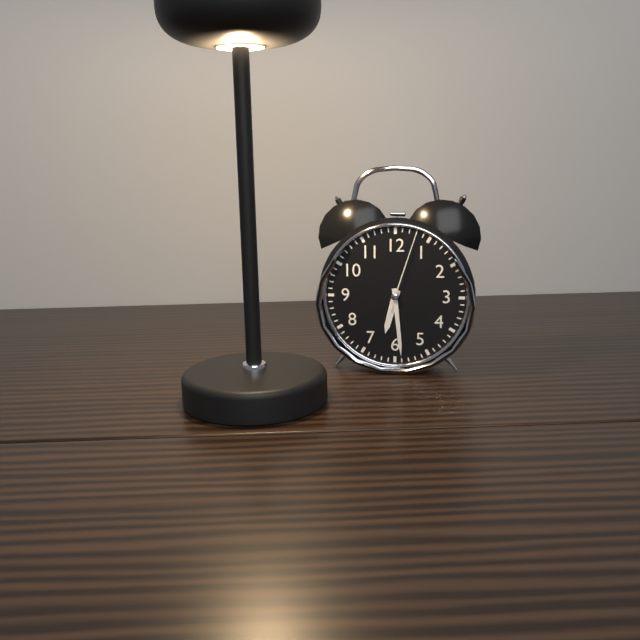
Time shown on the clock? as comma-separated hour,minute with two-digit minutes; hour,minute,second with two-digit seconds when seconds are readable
6,29,03
